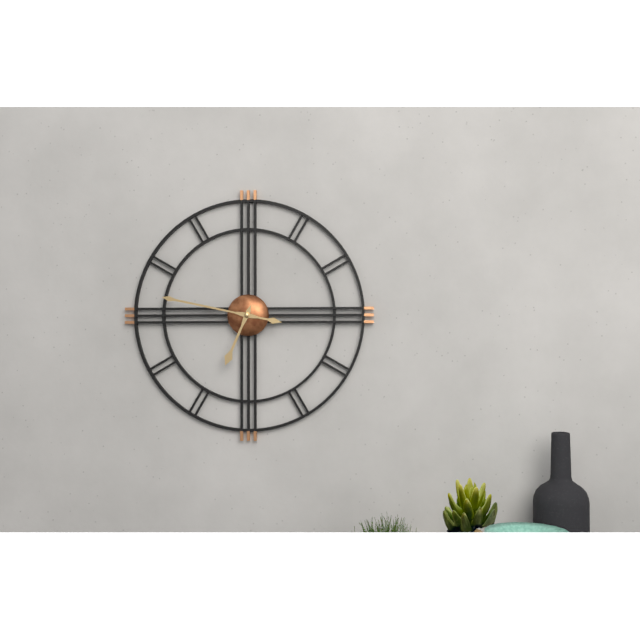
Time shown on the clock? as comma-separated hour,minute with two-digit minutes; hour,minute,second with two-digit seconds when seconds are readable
6,47
